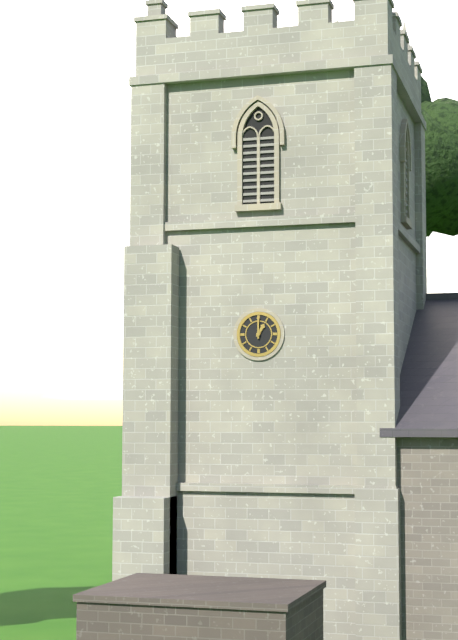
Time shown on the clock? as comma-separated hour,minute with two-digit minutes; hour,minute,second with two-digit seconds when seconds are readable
1,00
